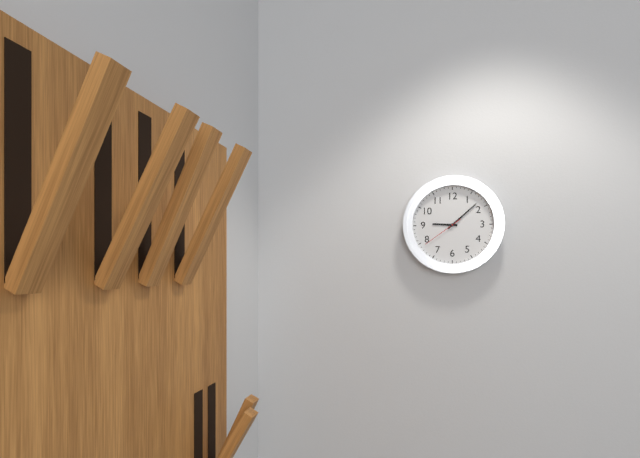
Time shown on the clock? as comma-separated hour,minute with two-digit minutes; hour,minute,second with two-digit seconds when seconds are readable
9,08
